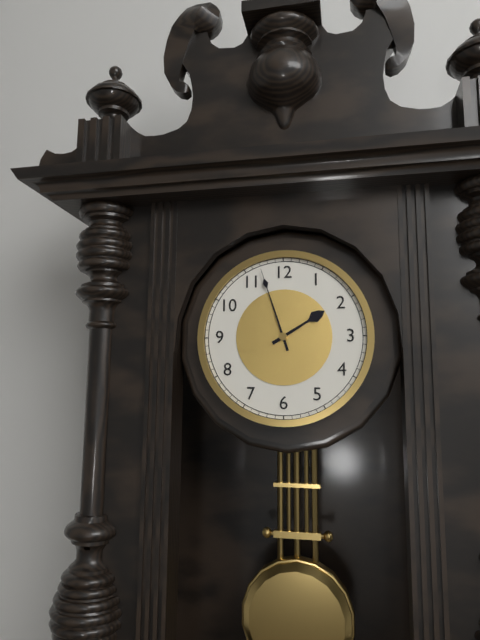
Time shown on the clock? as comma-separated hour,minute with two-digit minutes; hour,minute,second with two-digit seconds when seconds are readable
1,57
